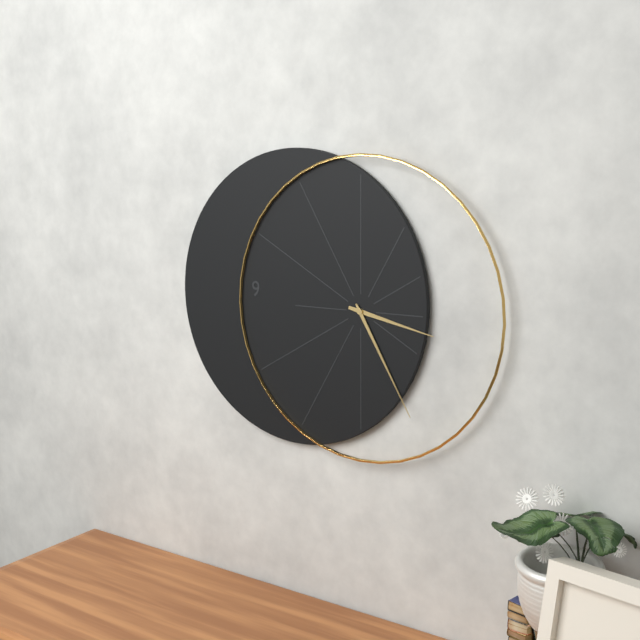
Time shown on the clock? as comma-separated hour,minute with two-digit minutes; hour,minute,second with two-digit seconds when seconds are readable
3,25
